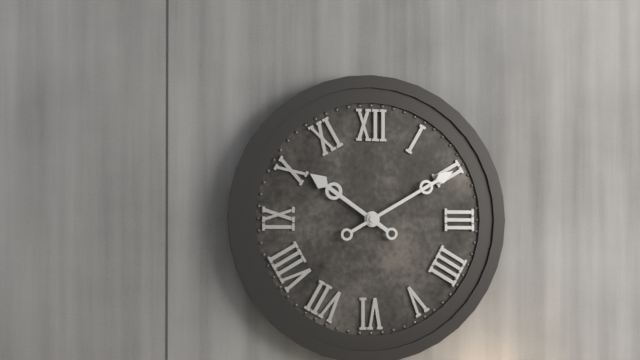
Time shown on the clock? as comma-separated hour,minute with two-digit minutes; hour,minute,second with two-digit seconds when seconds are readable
10,10
